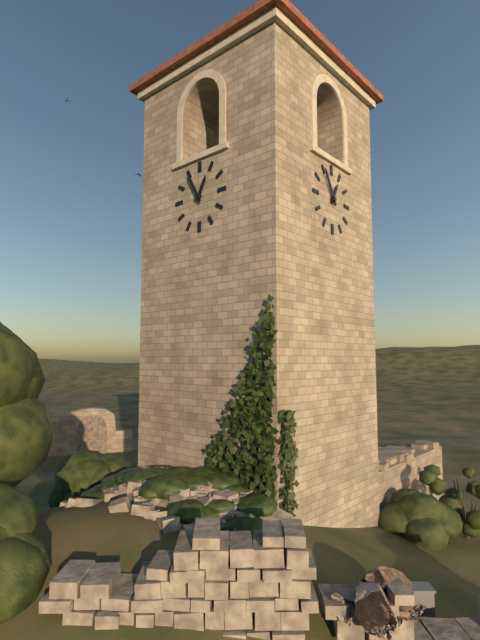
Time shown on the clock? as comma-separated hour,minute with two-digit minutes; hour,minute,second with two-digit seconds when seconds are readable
12,55
